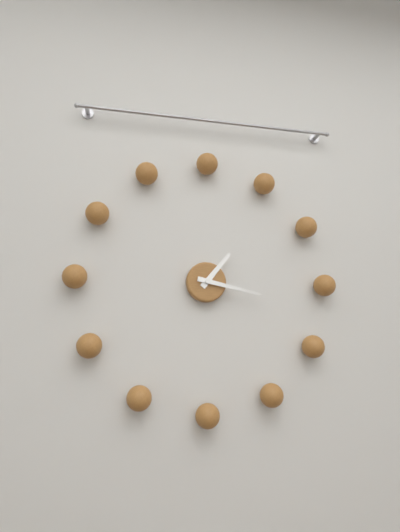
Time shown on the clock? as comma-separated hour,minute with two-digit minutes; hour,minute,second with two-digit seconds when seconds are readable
1,17
